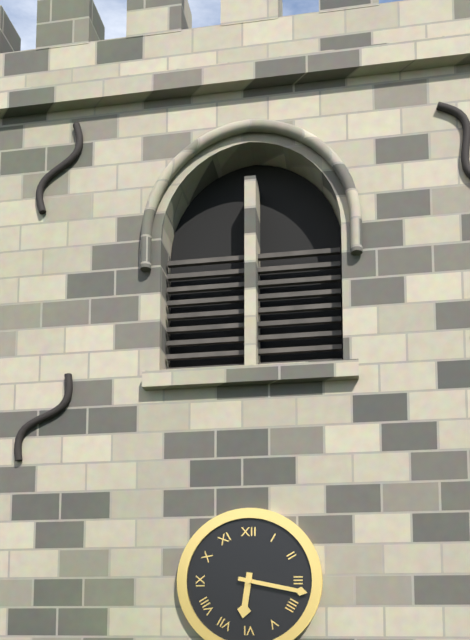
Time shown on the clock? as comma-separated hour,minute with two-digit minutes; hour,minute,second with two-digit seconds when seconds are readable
6,17
